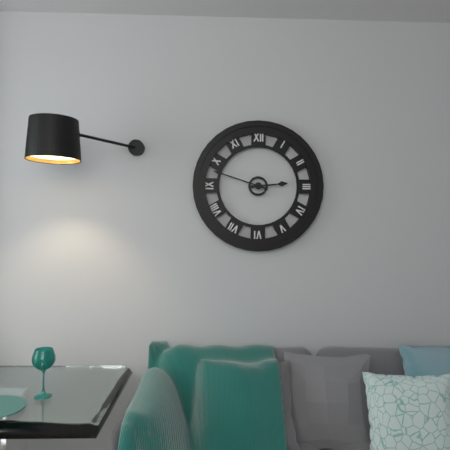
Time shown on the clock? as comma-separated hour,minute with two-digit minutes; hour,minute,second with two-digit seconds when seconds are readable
2,48
